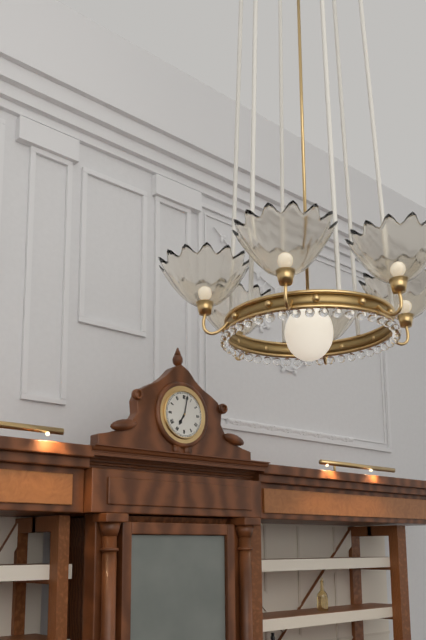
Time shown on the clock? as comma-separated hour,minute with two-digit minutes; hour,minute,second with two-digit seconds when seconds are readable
7,02
